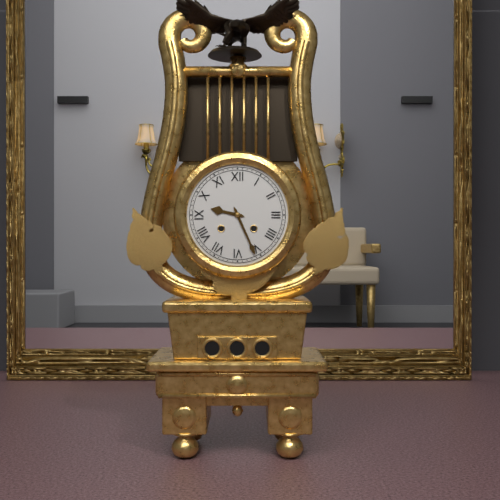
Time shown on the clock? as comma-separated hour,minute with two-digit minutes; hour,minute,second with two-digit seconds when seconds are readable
9,26
